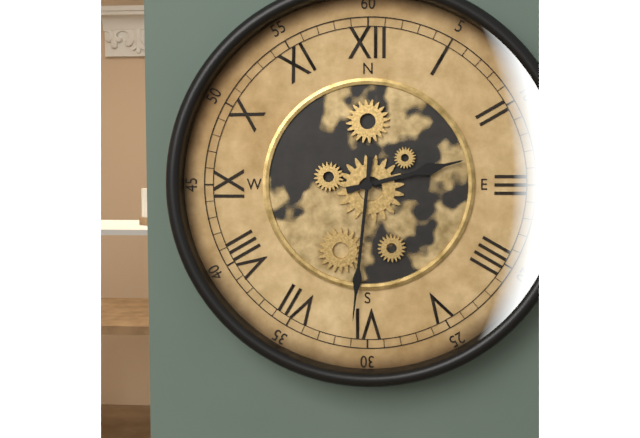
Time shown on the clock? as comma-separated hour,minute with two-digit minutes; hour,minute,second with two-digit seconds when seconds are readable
2,31
